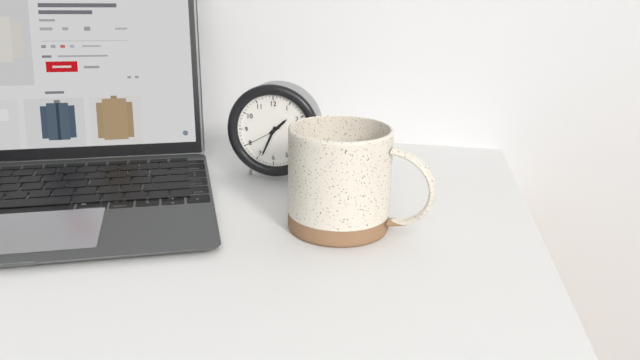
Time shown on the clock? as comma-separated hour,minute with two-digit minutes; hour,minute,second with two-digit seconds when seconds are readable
1,34
